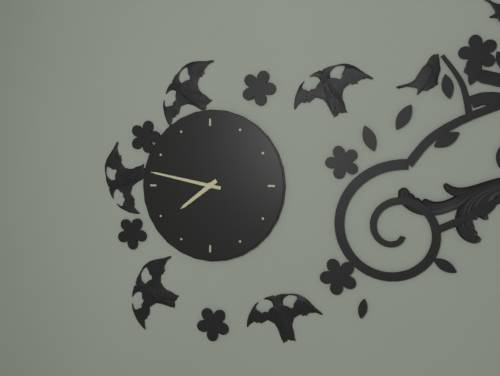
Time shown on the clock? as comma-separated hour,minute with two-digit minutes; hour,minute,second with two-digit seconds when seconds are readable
7,47
